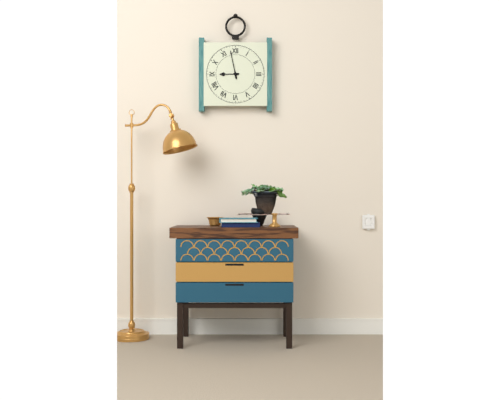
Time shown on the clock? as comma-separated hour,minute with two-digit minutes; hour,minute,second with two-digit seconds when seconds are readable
8,58
